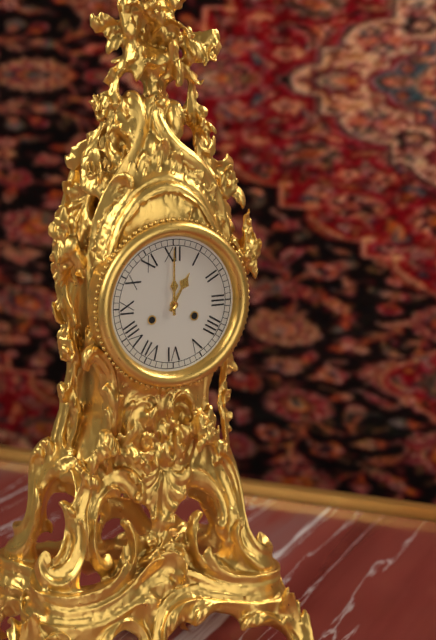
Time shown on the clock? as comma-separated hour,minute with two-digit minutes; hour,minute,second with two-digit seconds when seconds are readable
1,00
